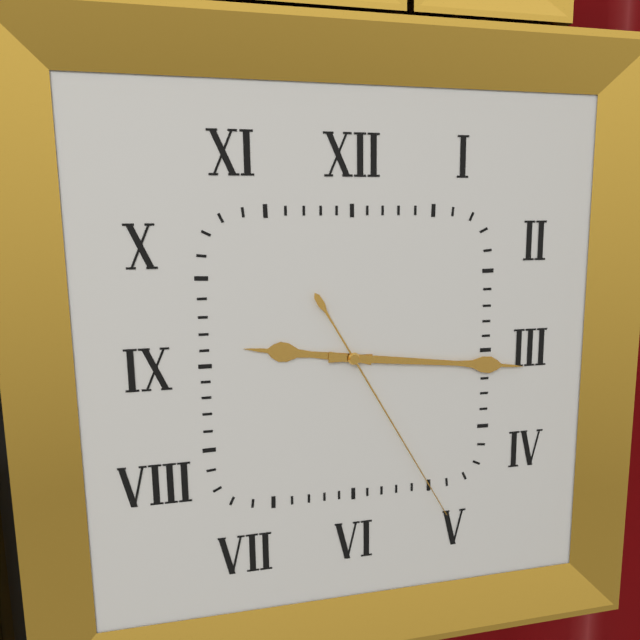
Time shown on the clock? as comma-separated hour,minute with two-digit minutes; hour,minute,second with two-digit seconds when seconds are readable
9,16,25
